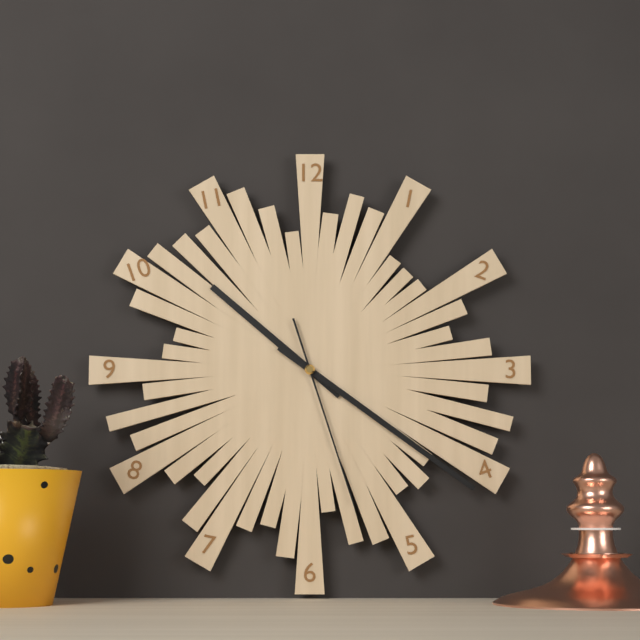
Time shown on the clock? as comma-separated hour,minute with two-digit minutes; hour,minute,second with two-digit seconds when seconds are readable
10,21,27
